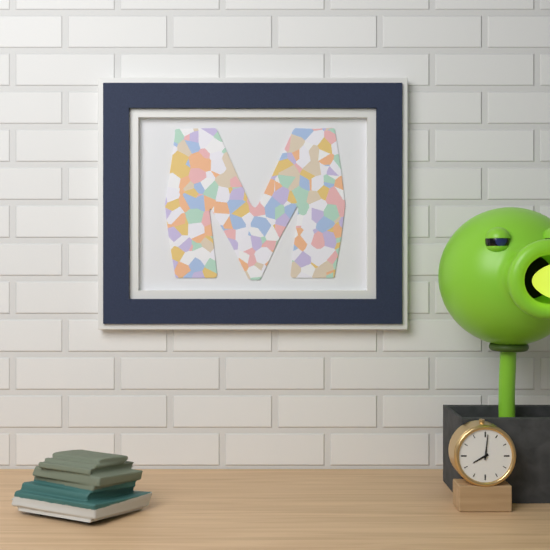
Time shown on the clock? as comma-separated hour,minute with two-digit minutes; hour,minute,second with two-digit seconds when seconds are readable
8,01
